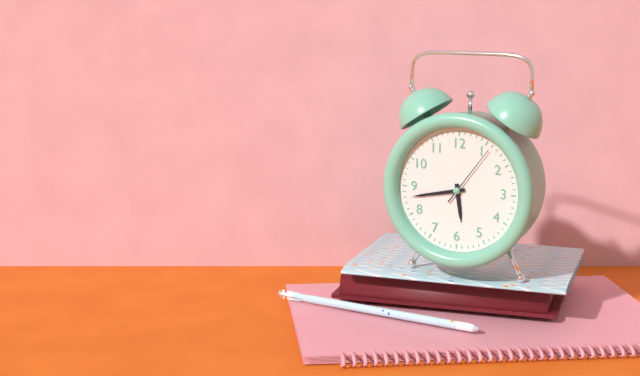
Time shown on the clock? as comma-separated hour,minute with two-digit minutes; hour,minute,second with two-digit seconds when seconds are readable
5,43,06
